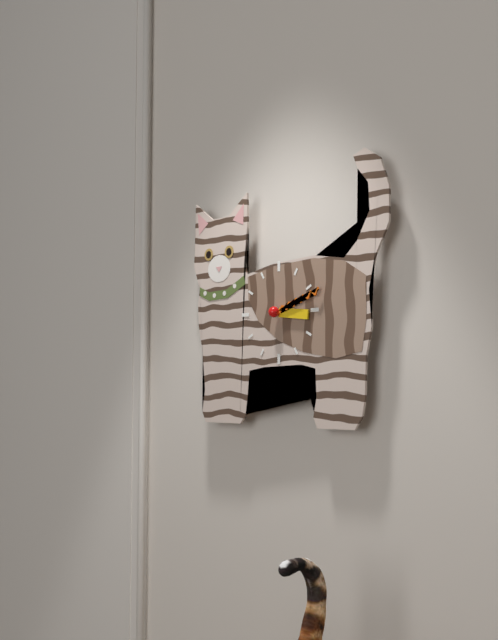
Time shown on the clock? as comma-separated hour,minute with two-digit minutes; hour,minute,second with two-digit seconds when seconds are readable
3,12
